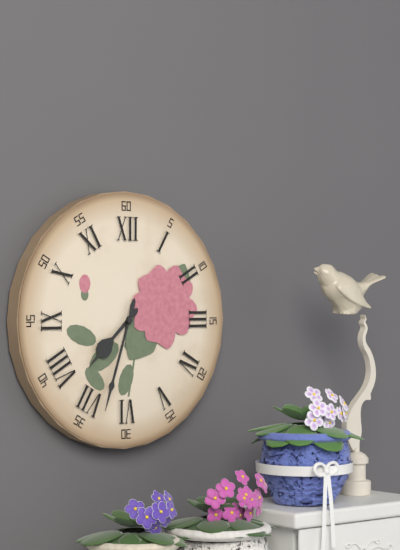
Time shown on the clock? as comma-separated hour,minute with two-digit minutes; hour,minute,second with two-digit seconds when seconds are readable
7,33
